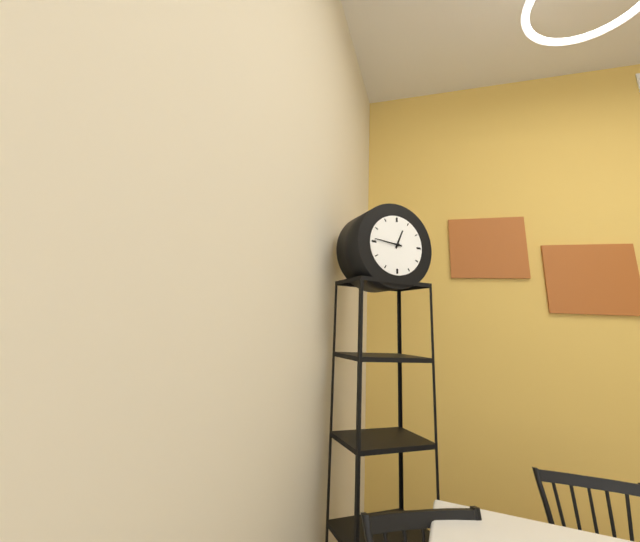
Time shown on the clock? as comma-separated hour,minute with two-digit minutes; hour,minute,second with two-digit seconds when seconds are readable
12,46
